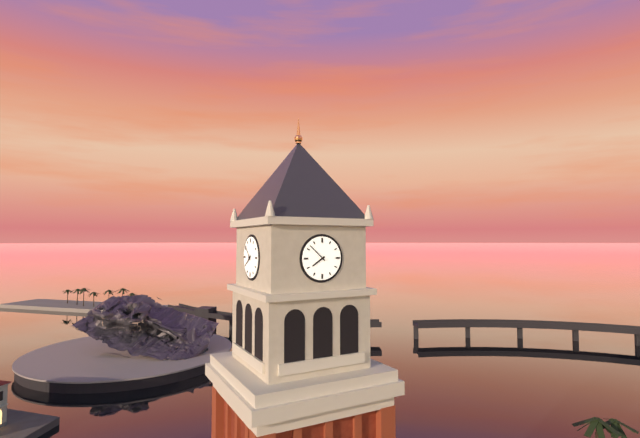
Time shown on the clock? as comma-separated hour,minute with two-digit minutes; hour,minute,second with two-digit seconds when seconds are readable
7,52
